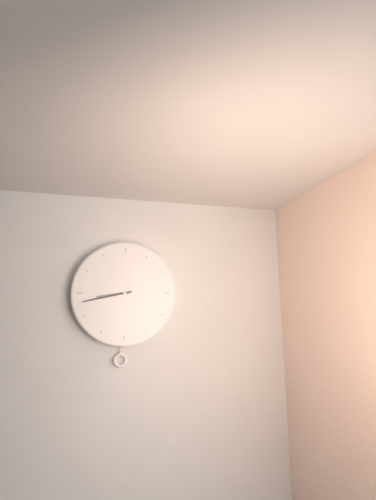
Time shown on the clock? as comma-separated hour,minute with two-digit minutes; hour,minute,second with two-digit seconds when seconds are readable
8,43
